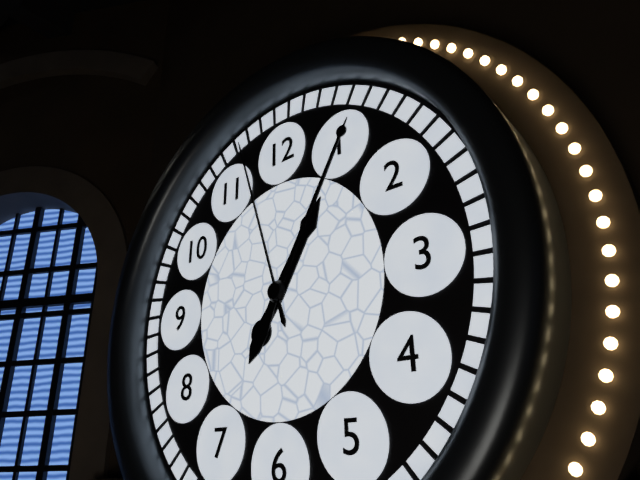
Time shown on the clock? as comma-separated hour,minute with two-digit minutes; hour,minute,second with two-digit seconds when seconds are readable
1,05,57
